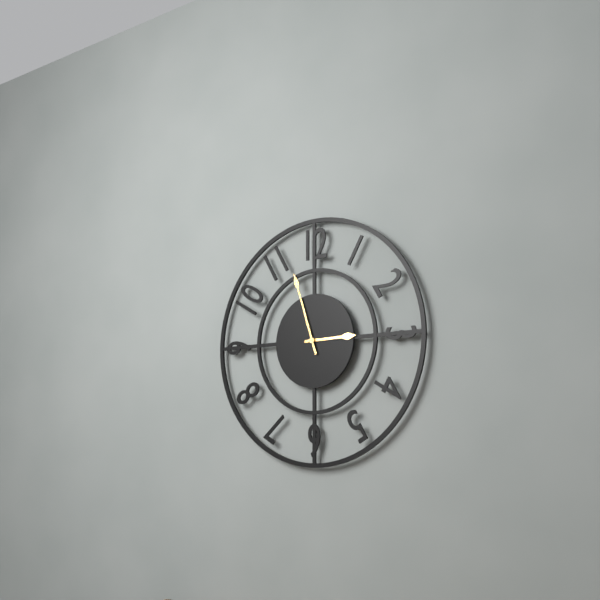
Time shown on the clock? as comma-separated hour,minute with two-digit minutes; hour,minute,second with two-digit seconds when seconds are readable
2,57
